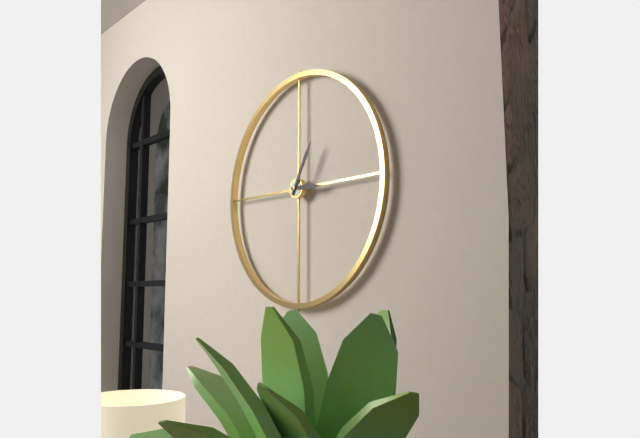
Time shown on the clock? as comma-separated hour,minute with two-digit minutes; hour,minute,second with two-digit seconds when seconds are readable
3,05
